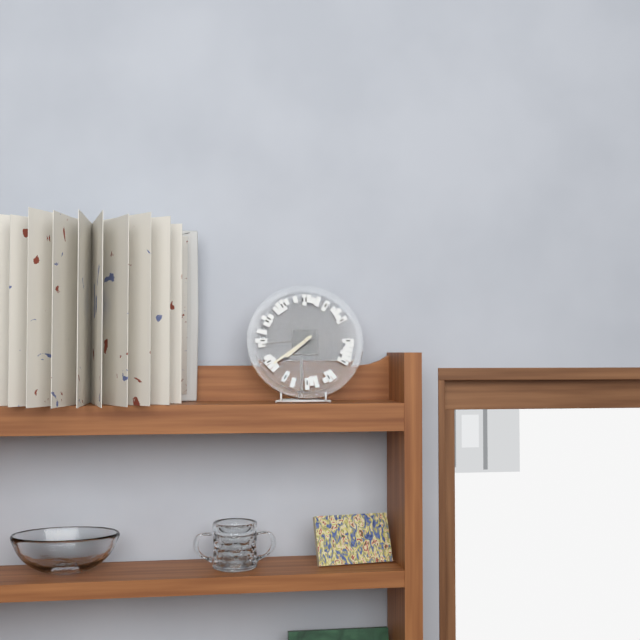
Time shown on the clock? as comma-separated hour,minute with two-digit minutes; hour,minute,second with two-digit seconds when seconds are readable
7,39,44
